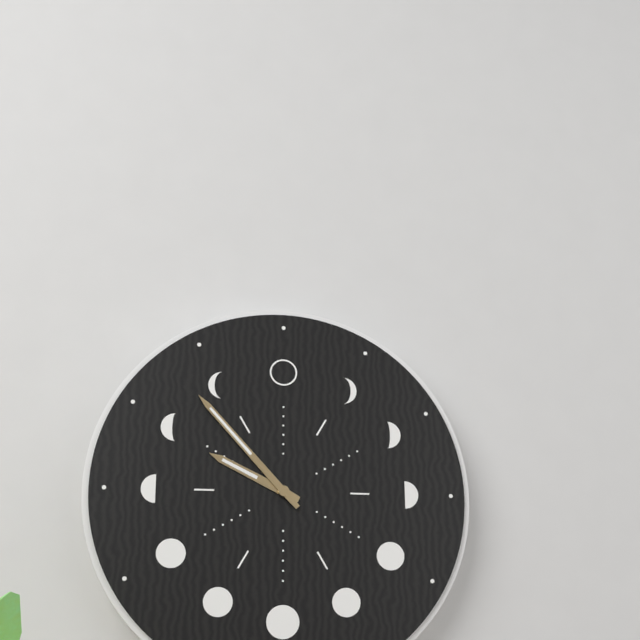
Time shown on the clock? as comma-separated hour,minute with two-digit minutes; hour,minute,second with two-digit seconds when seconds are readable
9,53
